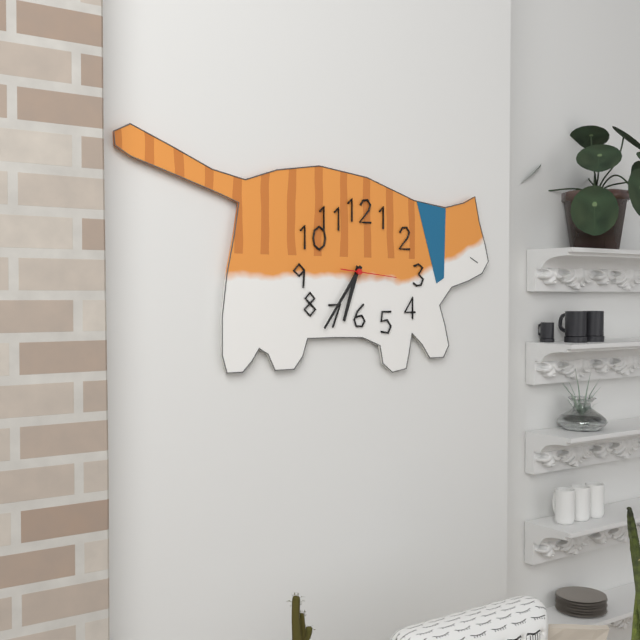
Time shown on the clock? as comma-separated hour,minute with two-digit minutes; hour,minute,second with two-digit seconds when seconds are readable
6,36
